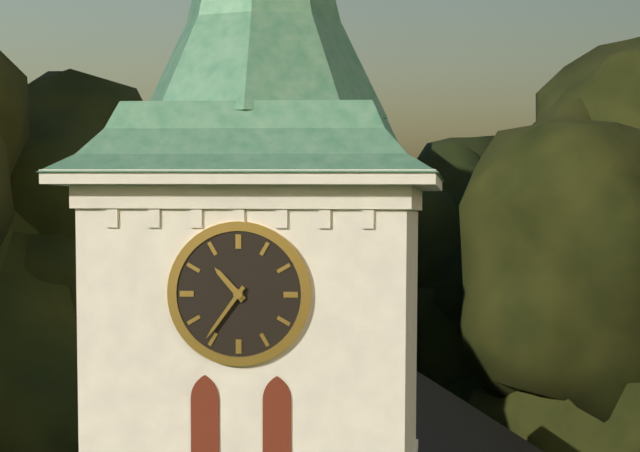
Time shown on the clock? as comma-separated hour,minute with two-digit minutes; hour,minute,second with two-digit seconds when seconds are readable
10,36
